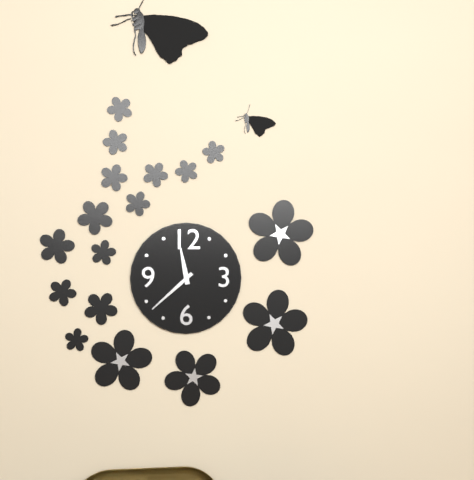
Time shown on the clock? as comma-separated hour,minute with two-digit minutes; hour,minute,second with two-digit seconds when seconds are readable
11,38
